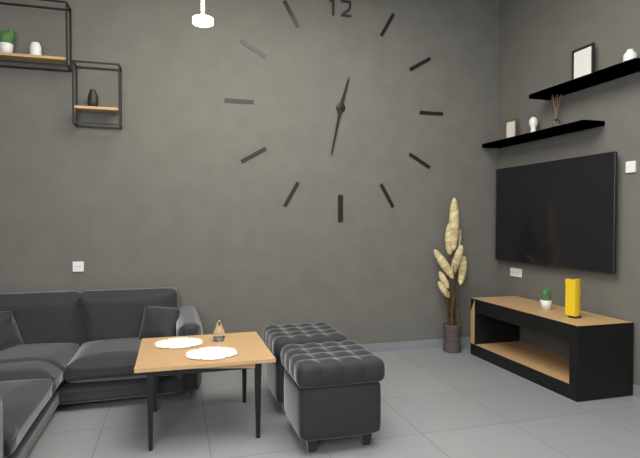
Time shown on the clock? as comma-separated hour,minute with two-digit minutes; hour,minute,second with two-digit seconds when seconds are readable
12,32
